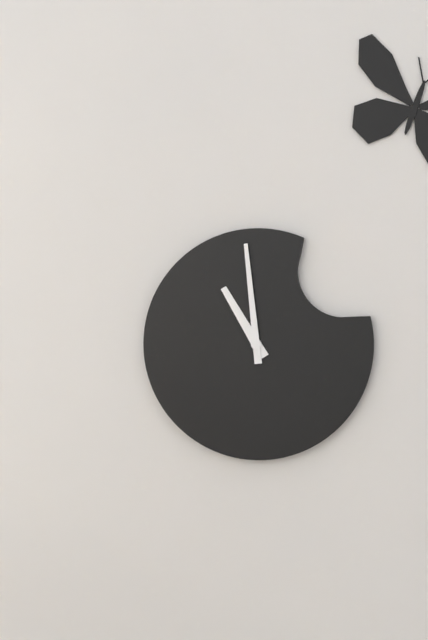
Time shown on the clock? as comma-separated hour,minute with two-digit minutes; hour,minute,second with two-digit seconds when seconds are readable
10,59
